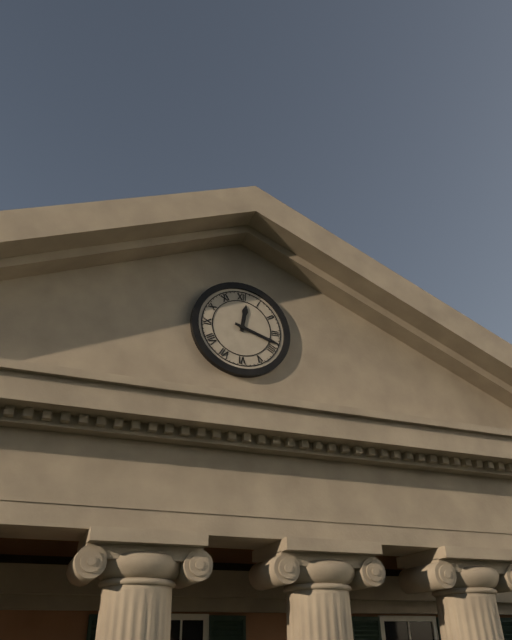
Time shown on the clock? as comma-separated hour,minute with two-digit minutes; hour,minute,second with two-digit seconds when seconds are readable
12,18
